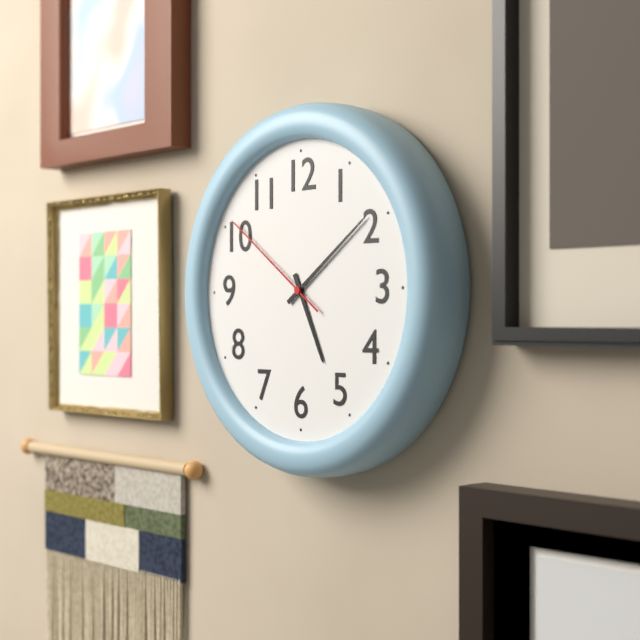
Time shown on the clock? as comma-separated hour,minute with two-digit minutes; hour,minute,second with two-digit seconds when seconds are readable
5,09,51
